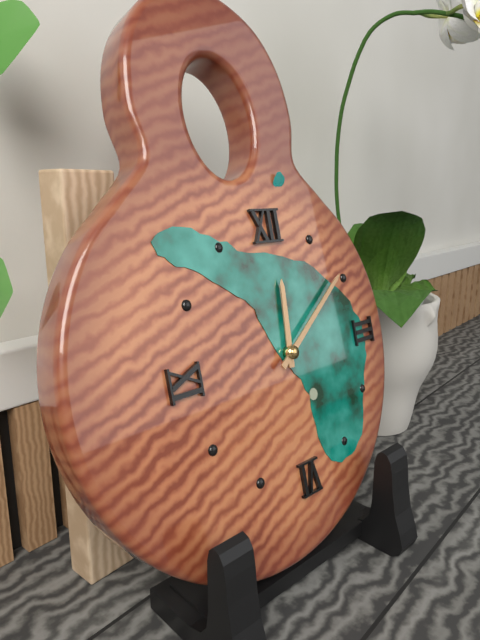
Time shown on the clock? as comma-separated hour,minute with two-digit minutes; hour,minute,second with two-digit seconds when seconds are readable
12,09
